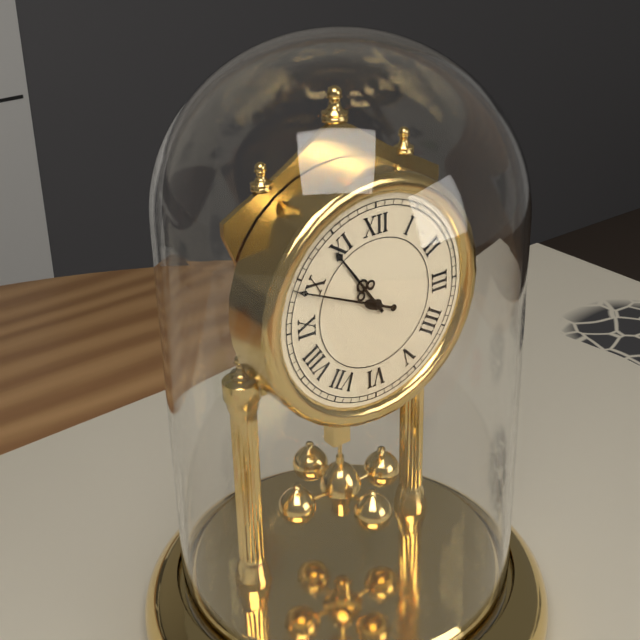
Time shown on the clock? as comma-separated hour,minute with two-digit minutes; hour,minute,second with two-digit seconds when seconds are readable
10,49
